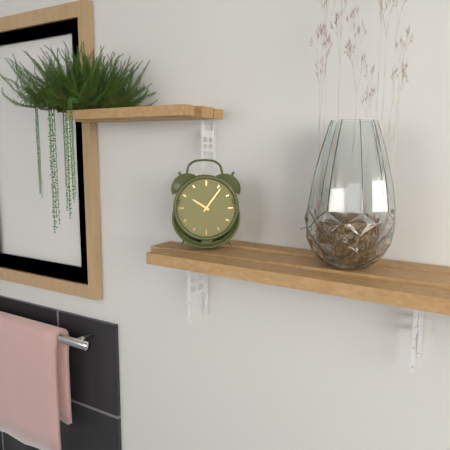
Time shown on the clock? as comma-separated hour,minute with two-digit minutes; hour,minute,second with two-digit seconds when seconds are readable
10,06
